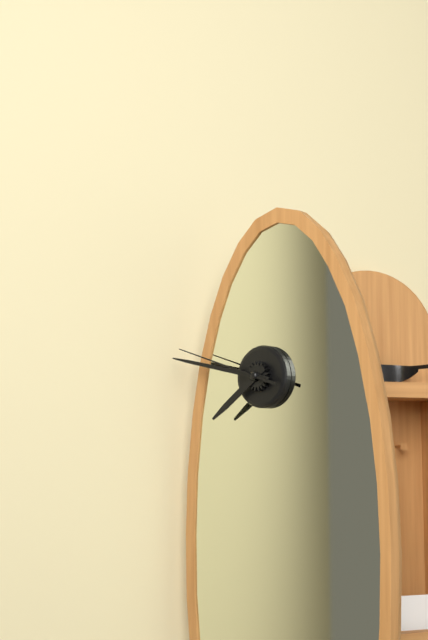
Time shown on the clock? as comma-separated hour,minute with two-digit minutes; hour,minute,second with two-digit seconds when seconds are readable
7,47,48
